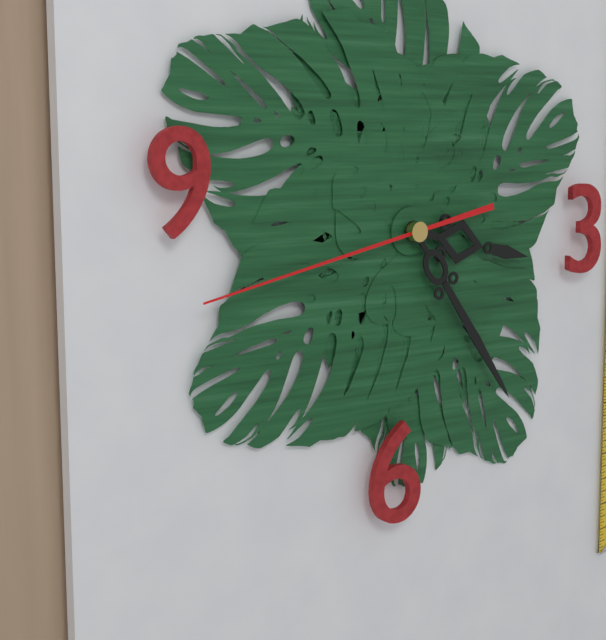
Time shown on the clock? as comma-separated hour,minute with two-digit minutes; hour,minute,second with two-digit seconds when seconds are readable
3,24,43
